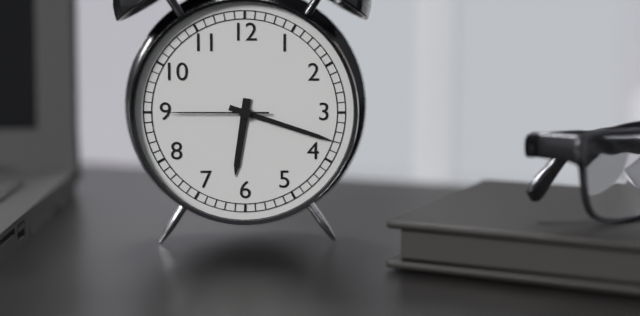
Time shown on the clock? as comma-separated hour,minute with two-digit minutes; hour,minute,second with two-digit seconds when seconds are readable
6,18,45
